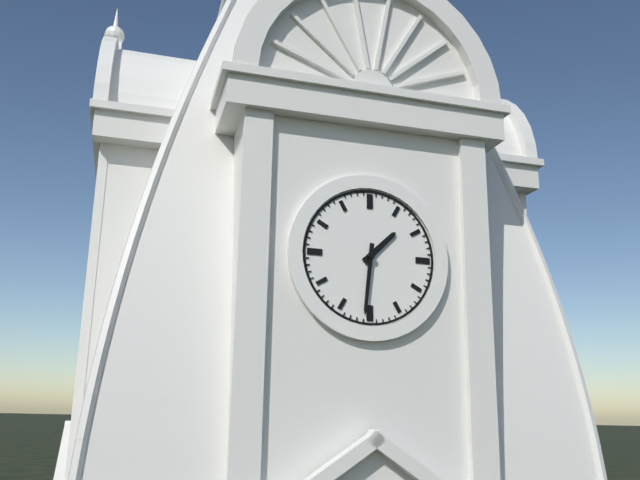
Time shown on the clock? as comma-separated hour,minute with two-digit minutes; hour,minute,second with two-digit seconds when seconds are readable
1,31
